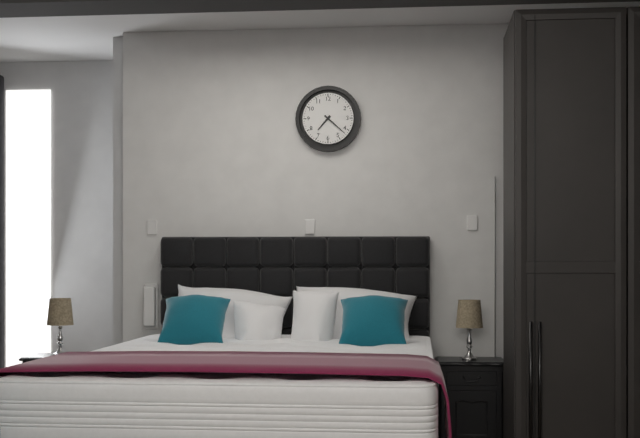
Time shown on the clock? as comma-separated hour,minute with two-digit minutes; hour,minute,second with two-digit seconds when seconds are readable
7,22
